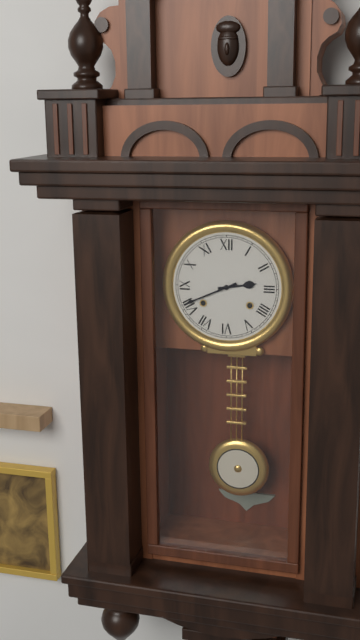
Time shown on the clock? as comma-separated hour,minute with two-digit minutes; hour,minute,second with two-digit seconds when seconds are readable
2,41
